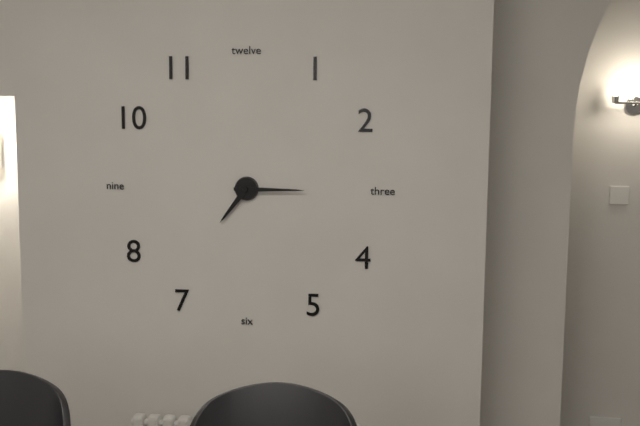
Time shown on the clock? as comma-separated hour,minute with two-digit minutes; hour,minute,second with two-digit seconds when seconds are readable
7,15
